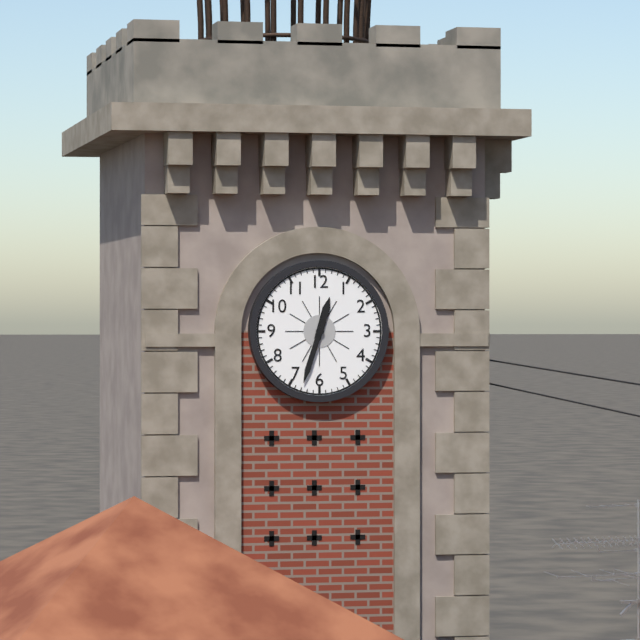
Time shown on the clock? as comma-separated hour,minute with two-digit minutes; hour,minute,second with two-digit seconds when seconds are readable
12,33
